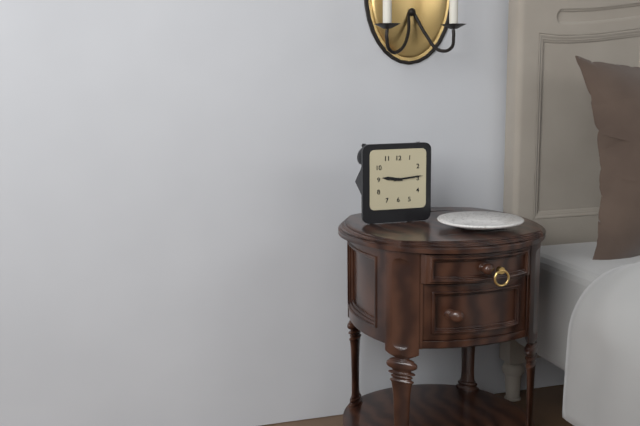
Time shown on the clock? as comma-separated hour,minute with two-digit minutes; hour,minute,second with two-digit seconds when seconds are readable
9,14
